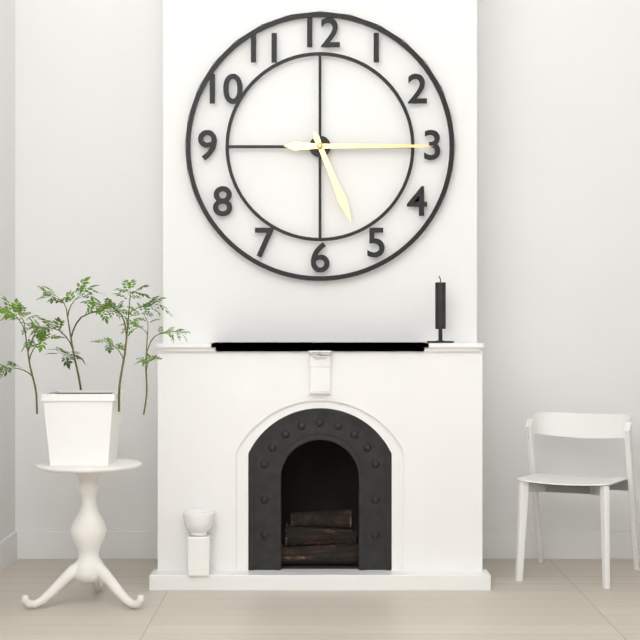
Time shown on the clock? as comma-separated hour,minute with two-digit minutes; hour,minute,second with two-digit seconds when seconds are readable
5,15
